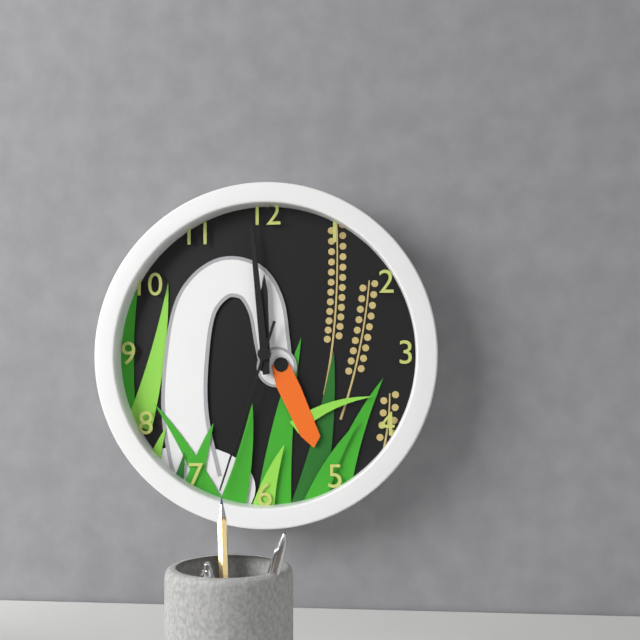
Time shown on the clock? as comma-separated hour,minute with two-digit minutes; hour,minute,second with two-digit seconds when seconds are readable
11,59,33
